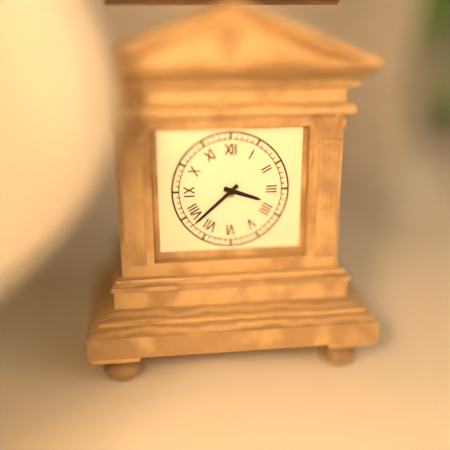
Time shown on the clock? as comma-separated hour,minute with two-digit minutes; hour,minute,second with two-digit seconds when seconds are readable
3,38
